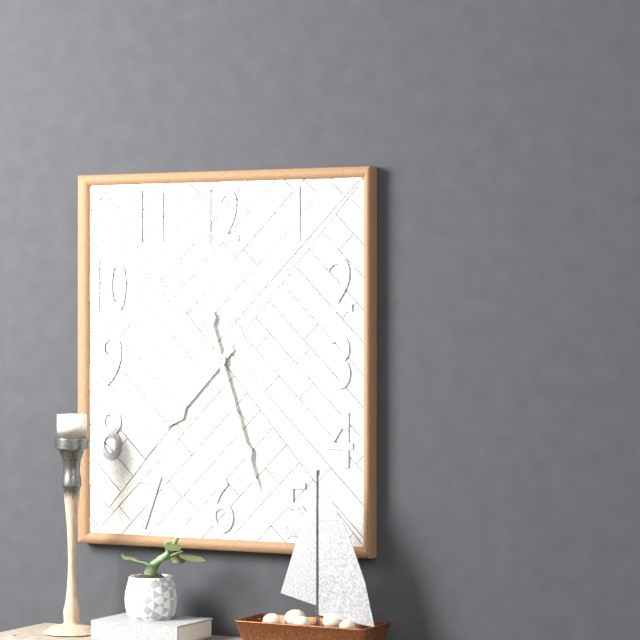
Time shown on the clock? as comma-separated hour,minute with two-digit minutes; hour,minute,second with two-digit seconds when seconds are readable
7,27
